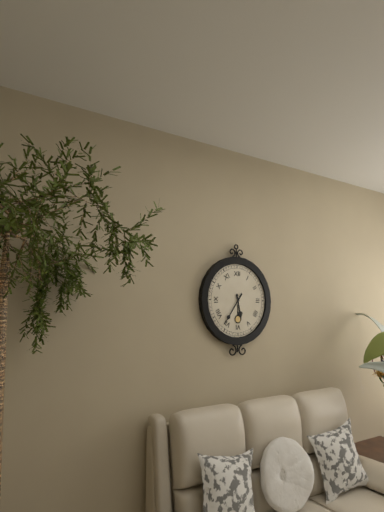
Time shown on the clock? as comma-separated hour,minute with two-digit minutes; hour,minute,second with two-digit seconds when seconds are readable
5,36
